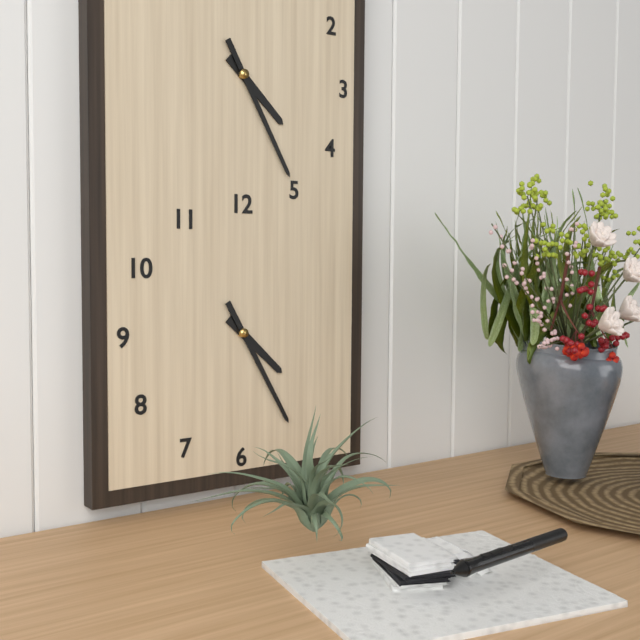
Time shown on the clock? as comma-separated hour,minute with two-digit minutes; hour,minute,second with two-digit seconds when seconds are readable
4,25
